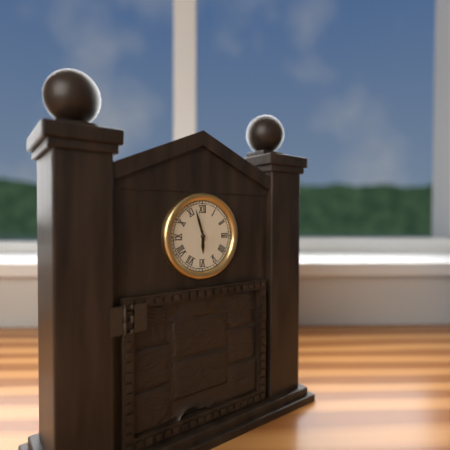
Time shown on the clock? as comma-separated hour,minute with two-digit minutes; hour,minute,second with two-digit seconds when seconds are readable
5,57
